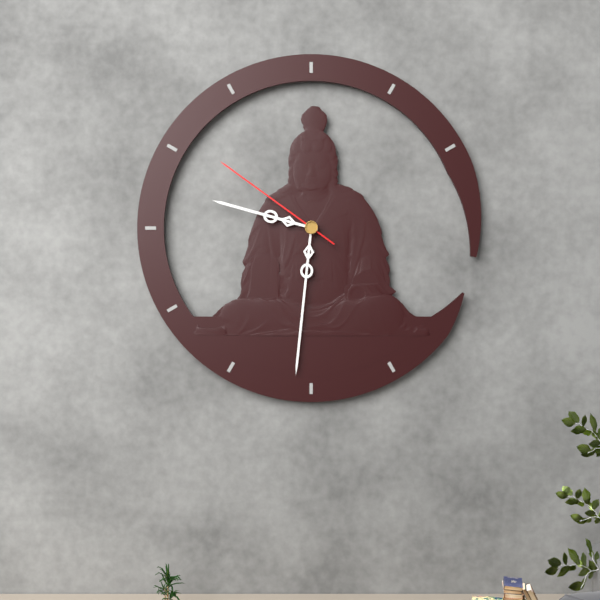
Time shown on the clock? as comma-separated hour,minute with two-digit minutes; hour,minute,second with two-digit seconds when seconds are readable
9,31,51
